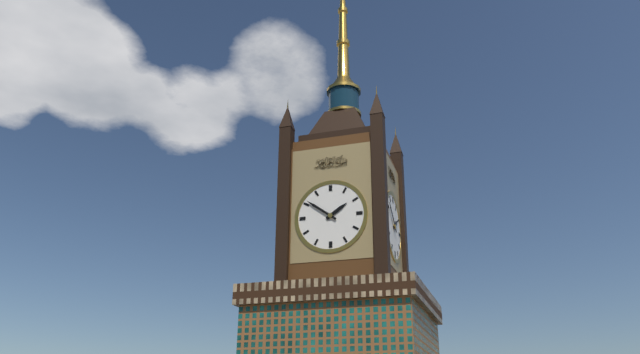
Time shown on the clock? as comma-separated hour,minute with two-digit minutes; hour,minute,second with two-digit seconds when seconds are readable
1,51
